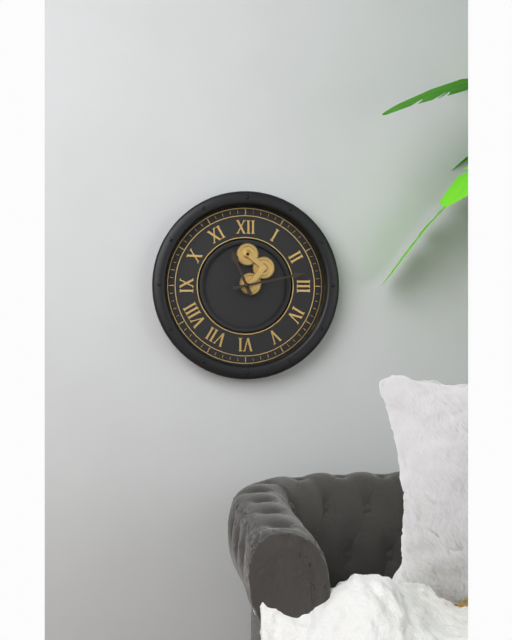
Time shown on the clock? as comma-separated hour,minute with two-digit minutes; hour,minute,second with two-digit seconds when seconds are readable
11,13
